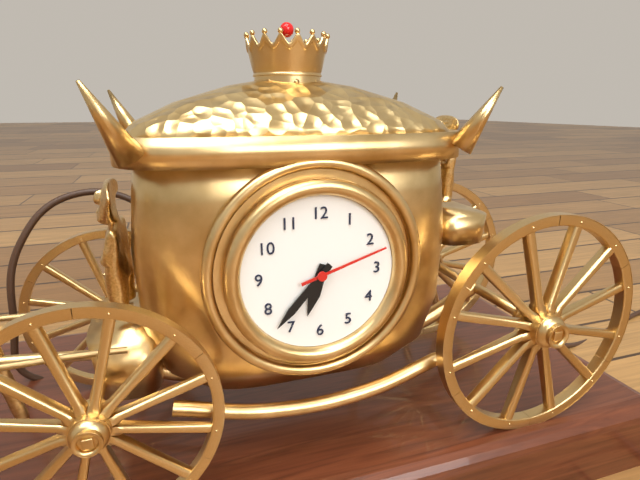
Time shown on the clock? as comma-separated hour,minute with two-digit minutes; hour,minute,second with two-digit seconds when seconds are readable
6,37,12
